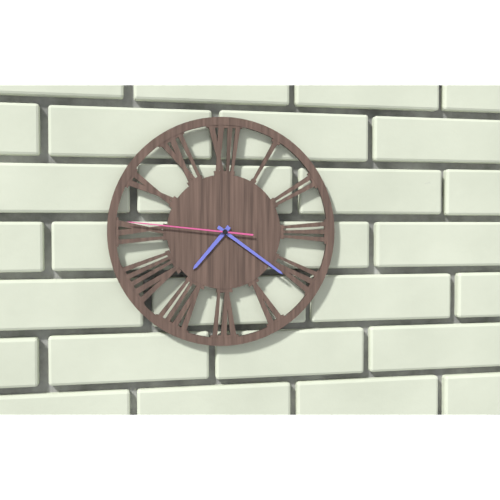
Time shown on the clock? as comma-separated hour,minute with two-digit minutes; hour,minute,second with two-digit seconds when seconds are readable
7,21,46
